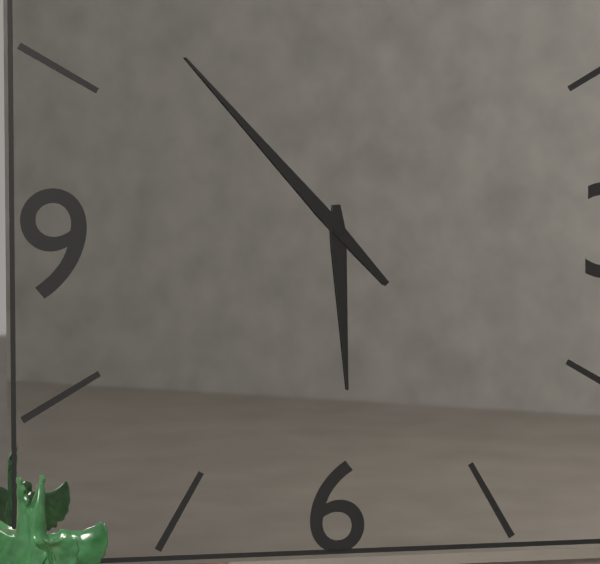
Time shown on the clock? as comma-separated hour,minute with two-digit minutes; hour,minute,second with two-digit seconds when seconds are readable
5,53
